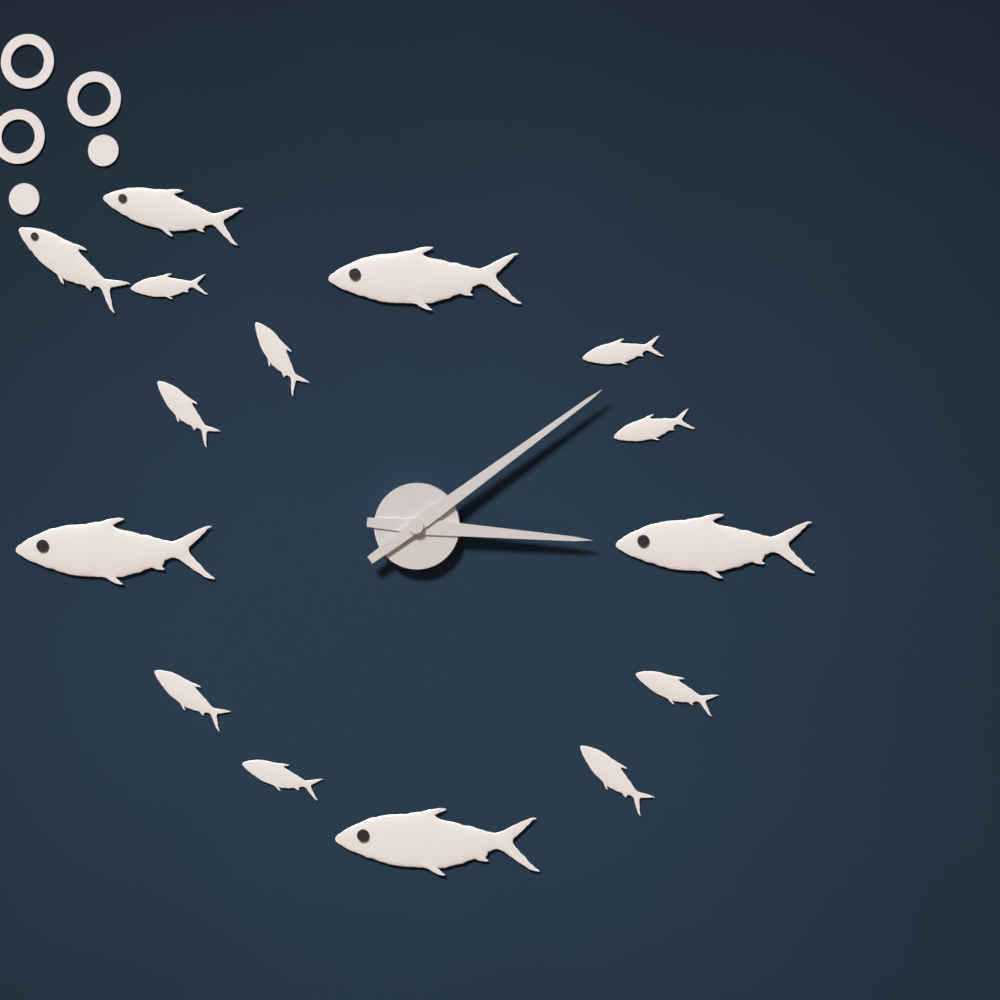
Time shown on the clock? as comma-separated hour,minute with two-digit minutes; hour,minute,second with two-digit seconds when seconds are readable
3,09
